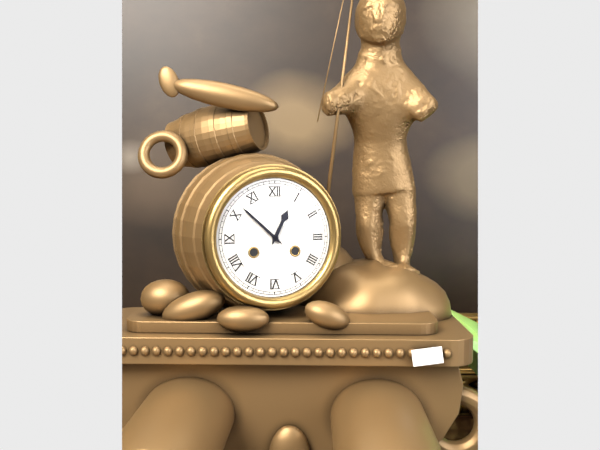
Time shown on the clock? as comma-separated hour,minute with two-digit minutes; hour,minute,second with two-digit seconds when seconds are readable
12,52
